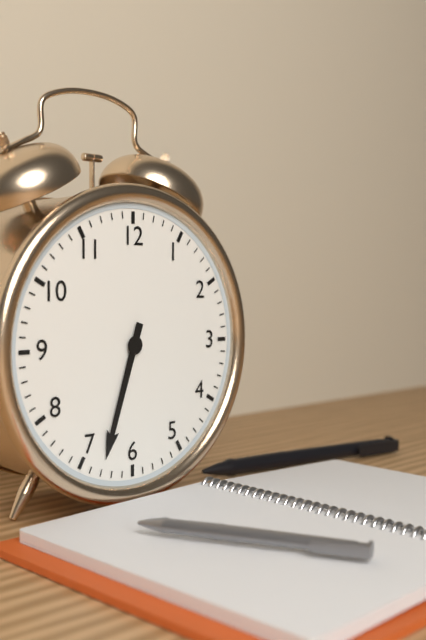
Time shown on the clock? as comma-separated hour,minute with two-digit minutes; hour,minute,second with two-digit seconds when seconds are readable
6,33
